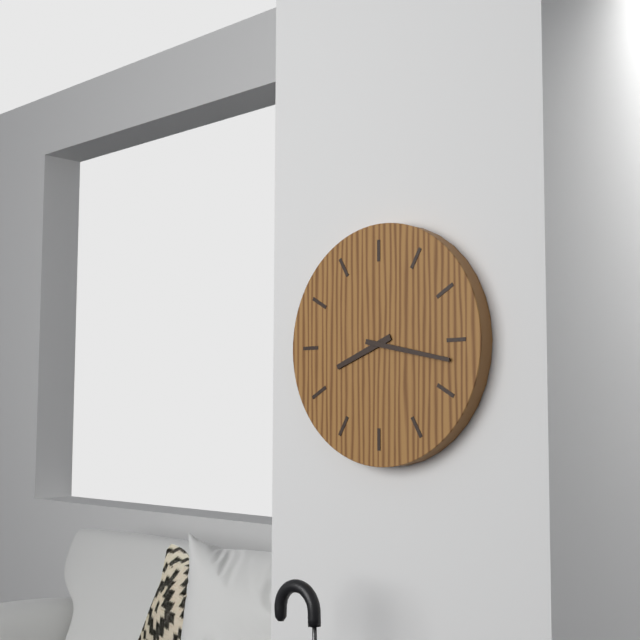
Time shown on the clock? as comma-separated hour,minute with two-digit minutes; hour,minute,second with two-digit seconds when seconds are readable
8,17
